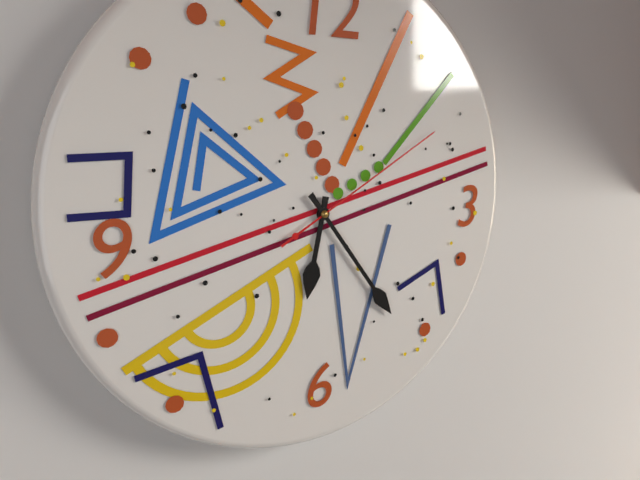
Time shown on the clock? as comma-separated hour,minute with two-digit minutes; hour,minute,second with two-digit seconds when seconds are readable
6,24,10
